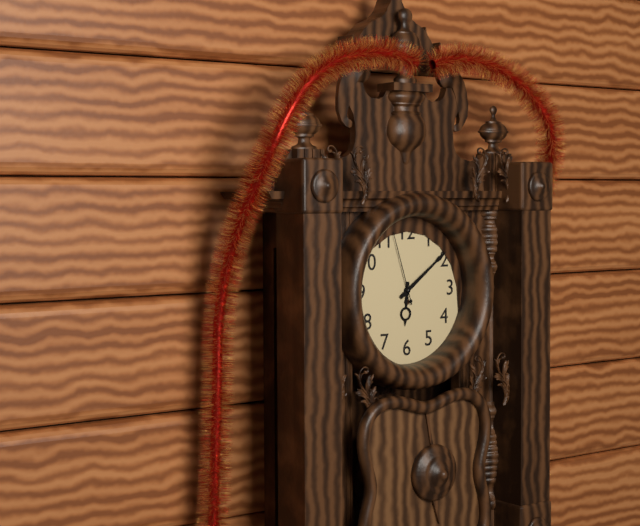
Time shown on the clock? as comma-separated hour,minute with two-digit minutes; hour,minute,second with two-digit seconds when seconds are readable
6,09,57
